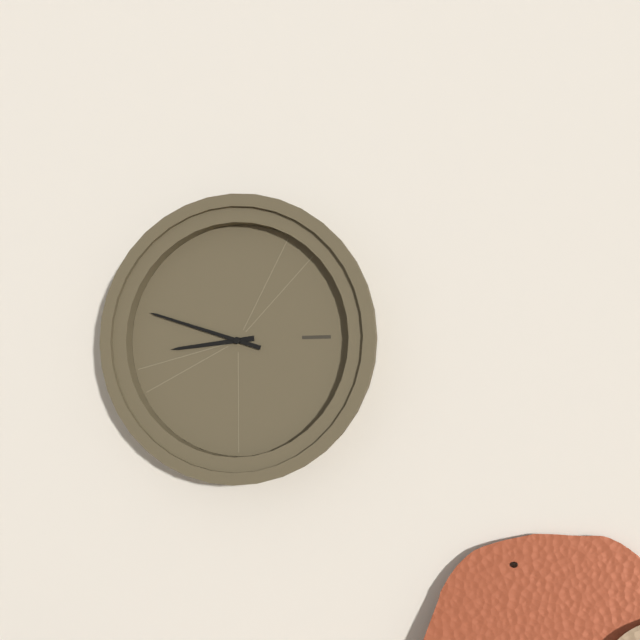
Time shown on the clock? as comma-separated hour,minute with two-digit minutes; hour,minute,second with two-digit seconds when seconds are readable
8,48
